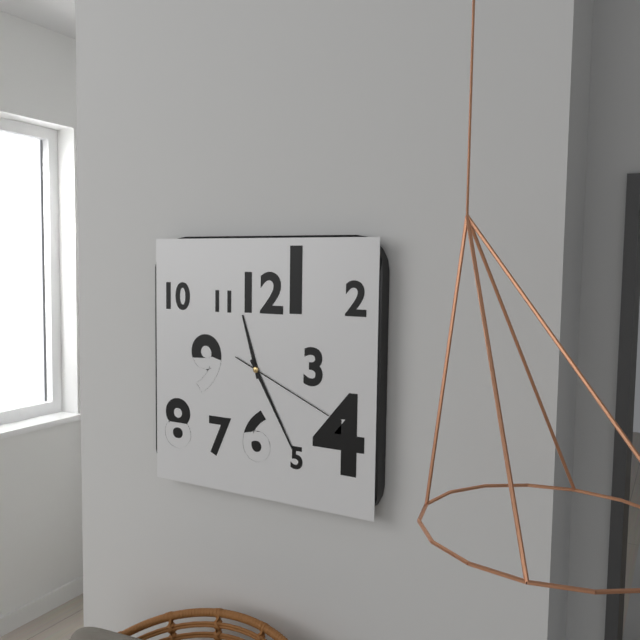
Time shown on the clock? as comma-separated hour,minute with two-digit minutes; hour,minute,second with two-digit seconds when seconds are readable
11,25,19
